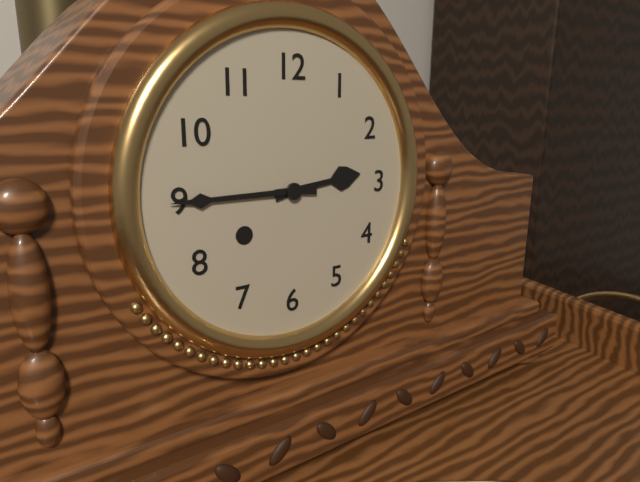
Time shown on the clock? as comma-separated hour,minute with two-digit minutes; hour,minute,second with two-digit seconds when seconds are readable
2,45
